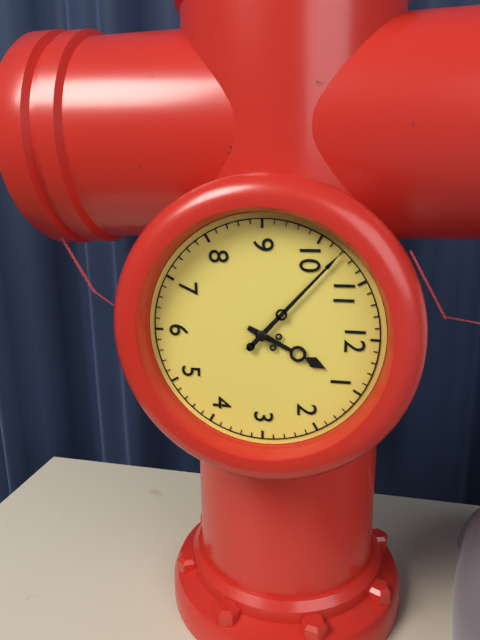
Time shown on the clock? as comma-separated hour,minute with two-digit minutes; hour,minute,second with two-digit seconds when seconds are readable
12,52
